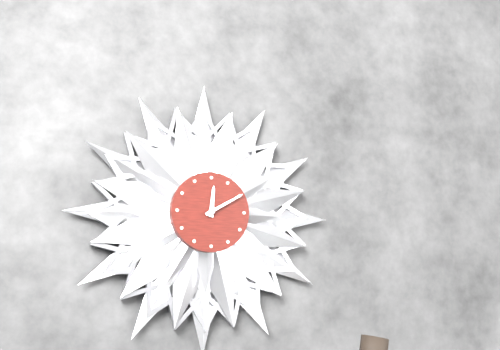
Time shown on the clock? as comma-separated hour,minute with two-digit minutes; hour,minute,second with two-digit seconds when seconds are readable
12,10
